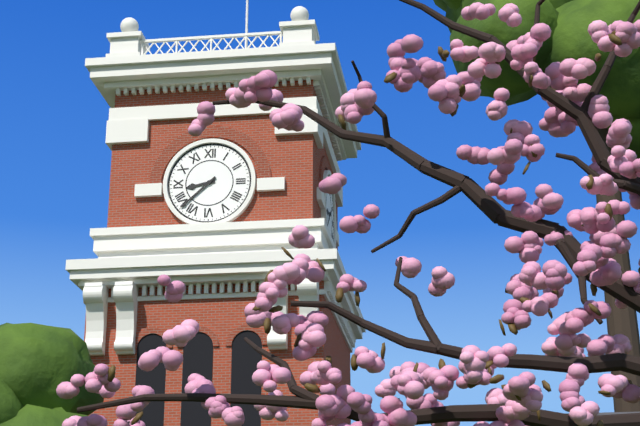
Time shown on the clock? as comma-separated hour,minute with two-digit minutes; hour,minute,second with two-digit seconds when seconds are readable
8,38
